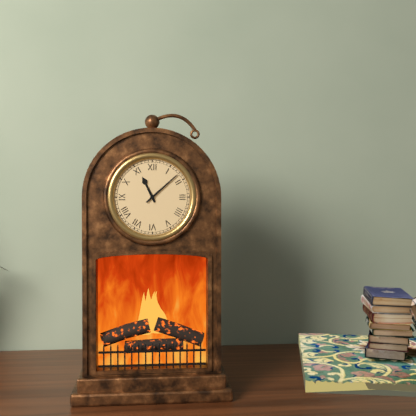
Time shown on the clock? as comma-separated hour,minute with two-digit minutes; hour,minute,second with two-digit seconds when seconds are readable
11,08
